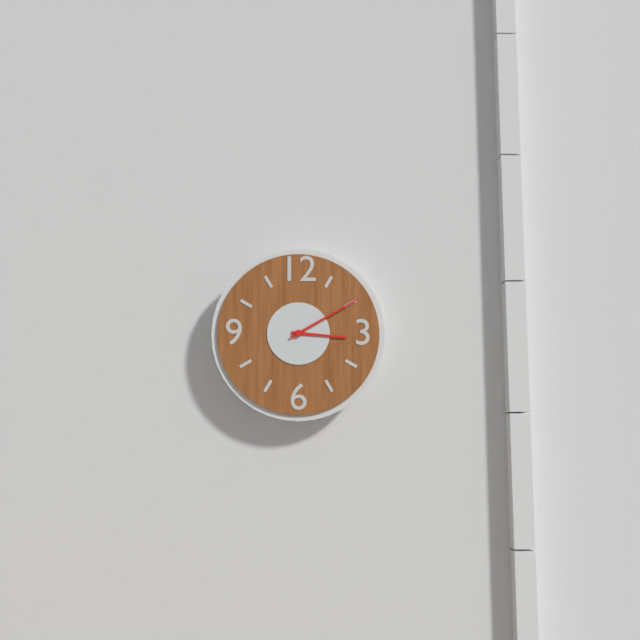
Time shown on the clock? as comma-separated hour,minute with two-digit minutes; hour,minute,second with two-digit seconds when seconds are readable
3,10
